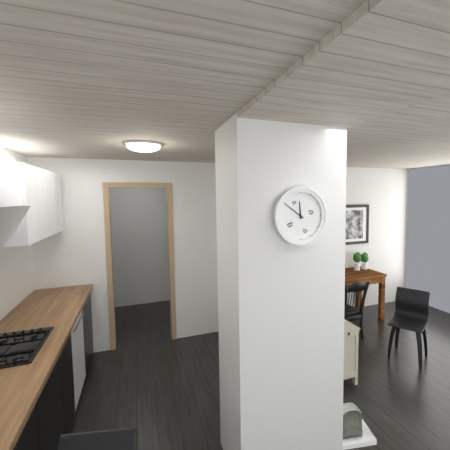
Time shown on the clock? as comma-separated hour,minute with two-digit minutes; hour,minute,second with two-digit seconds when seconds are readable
11,51
